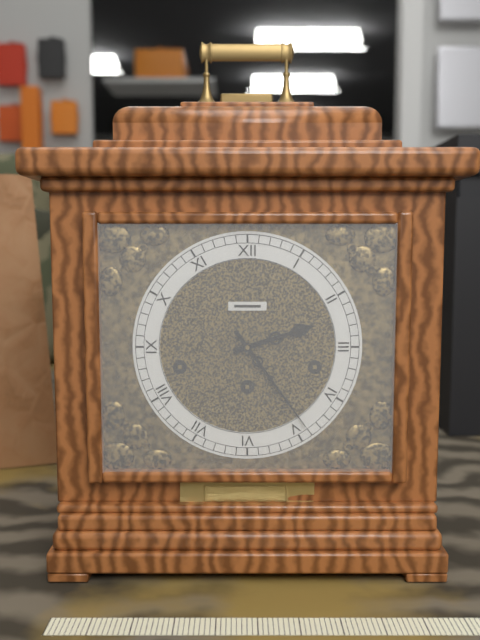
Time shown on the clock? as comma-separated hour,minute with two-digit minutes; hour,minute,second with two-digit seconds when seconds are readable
2,24
